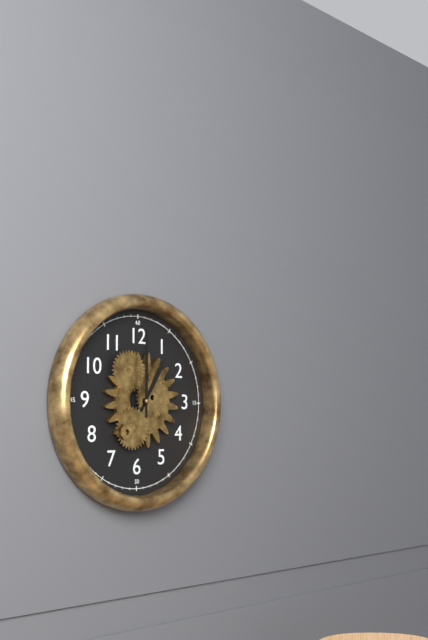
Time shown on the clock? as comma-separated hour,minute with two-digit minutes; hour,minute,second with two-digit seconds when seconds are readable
1,00
